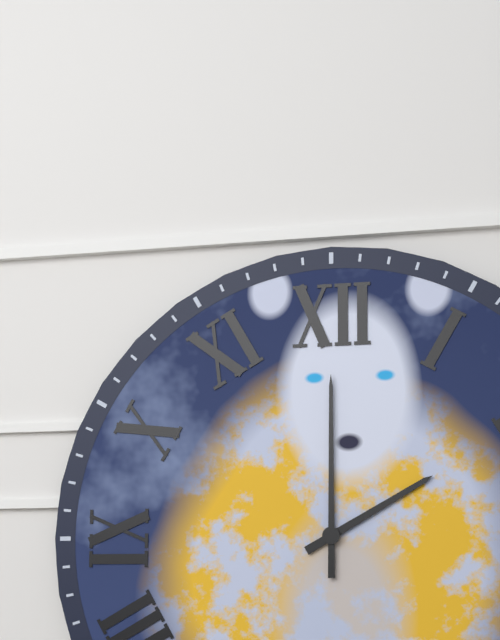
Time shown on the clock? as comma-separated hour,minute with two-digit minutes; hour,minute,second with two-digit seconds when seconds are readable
2,00
